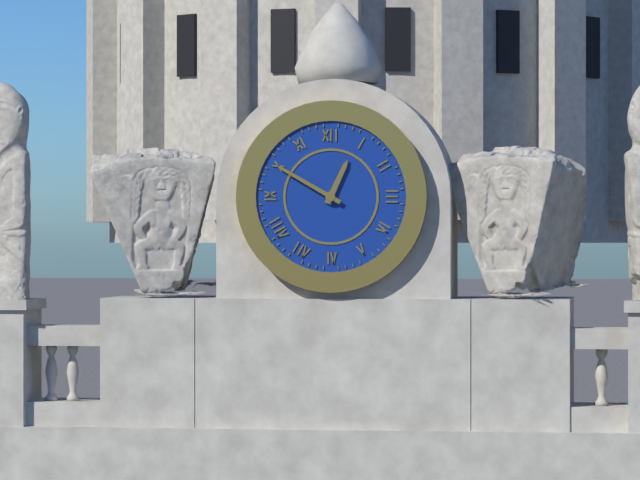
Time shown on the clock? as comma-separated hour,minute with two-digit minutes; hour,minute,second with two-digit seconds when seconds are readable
12,50
